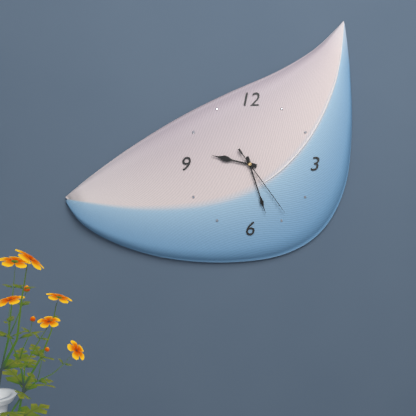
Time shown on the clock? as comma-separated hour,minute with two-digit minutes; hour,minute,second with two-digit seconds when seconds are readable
9,27,24
